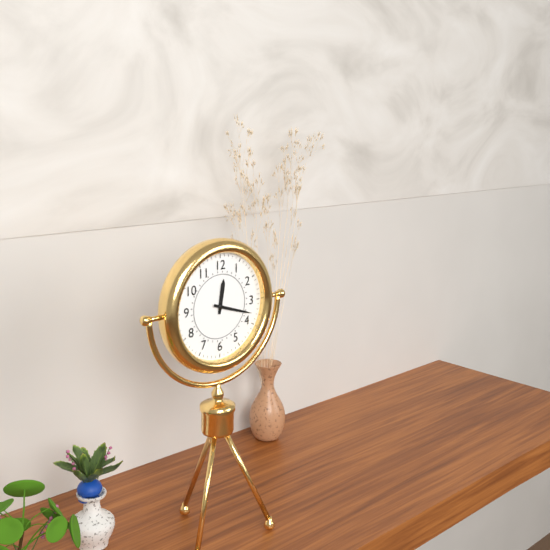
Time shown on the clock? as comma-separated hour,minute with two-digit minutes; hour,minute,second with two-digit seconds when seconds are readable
12,18
